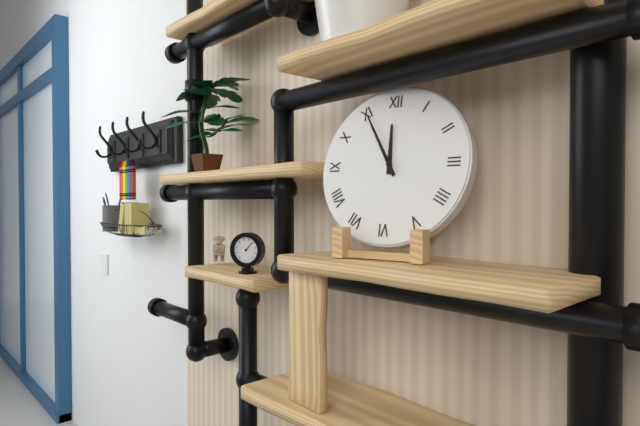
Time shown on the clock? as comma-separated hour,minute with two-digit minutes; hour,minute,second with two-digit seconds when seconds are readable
11,55
